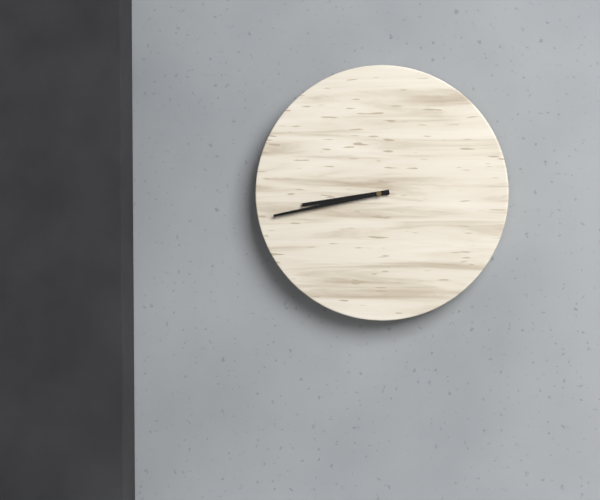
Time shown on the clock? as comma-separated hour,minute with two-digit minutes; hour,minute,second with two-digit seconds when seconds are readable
8,43
